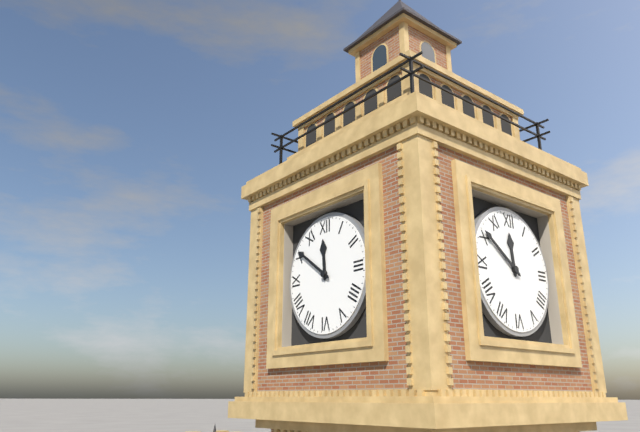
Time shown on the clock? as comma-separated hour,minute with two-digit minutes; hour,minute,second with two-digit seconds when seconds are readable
11,51
